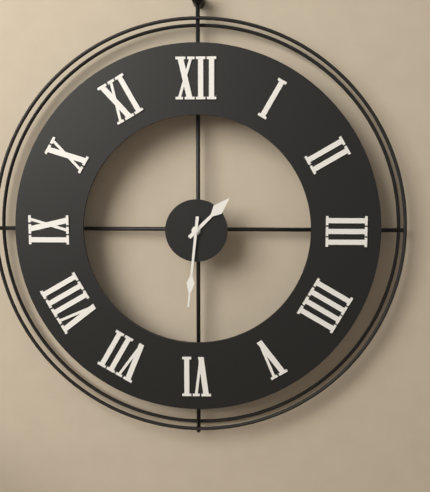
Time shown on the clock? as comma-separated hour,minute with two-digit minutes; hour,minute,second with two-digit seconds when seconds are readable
1,31
